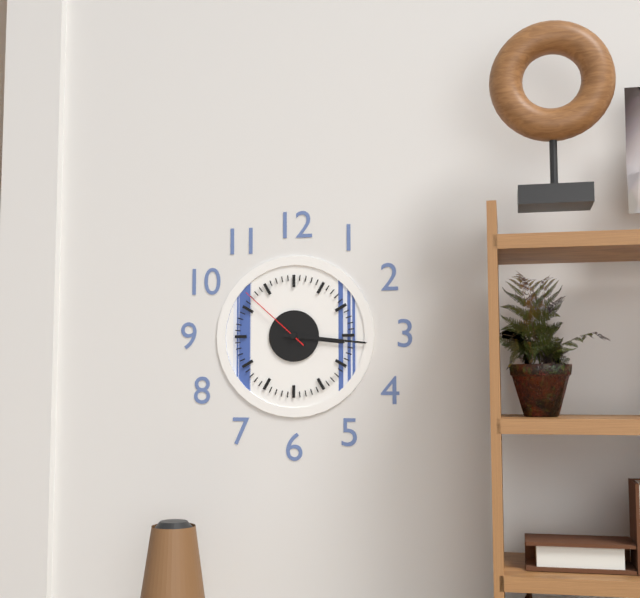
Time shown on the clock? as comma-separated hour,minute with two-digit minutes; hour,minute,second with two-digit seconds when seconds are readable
3,16,52
